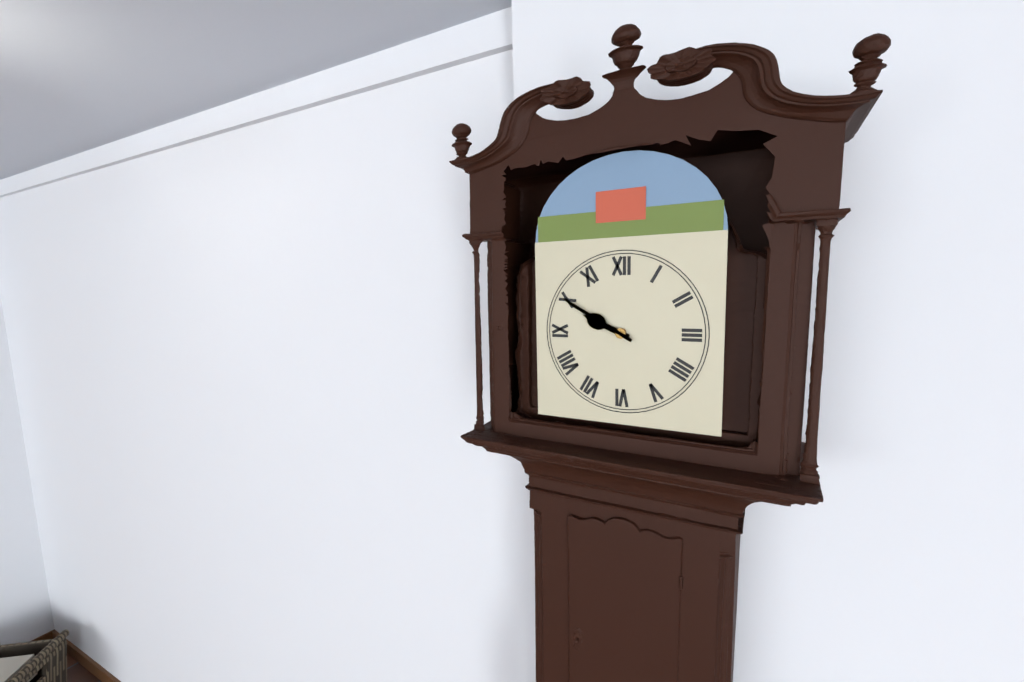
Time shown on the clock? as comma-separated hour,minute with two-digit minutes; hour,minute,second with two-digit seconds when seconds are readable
9,50
